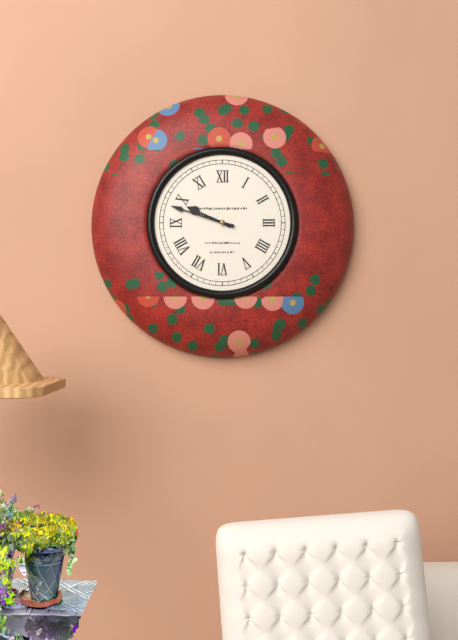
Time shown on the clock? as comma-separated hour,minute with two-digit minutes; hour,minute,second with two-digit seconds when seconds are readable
9,48
